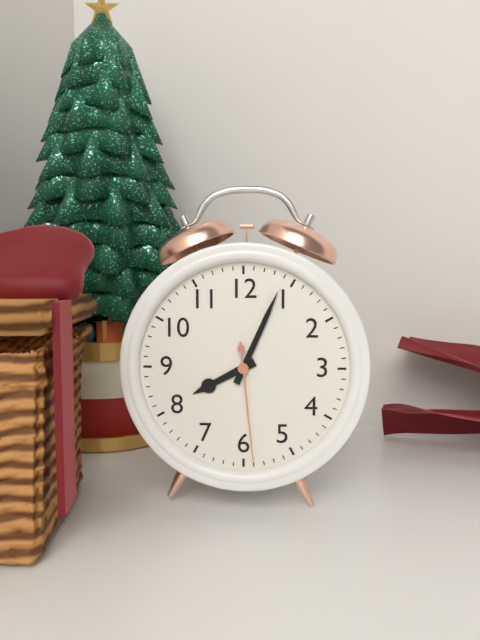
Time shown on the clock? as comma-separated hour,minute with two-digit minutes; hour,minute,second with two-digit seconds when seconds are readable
8,04,29
